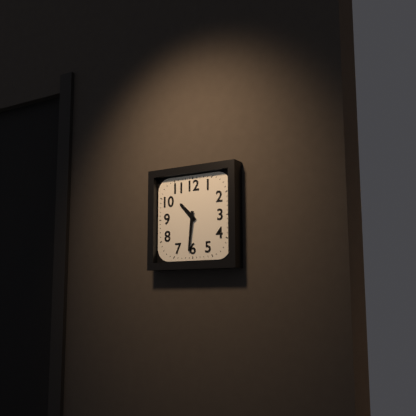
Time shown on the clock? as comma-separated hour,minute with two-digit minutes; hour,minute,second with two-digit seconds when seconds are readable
10,31
